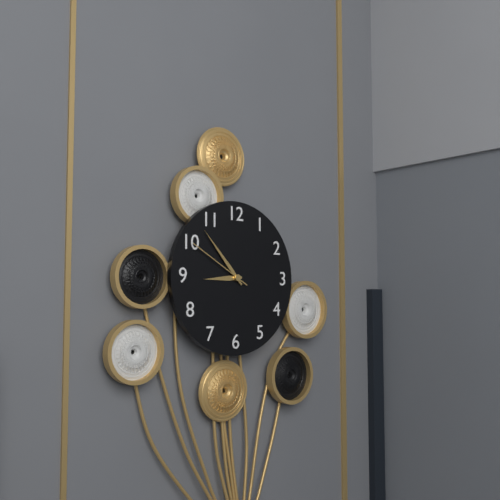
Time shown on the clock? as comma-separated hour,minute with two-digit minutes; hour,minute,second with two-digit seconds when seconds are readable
8,53,50
